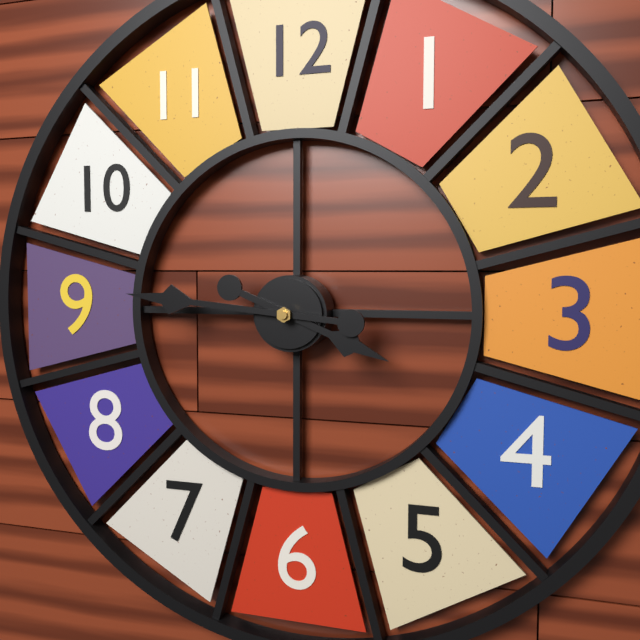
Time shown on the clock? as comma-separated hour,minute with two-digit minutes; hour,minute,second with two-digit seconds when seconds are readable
3,46
